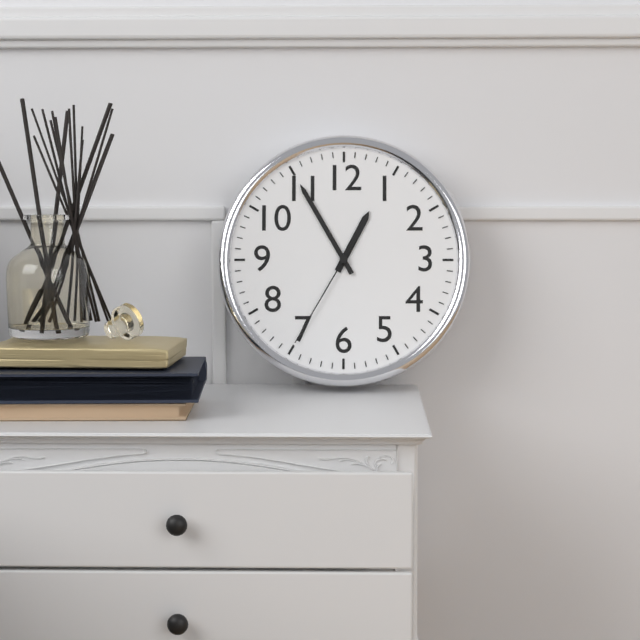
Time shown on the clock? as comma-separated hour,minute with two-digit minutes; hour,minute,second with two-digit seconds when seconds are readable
12,55,35
